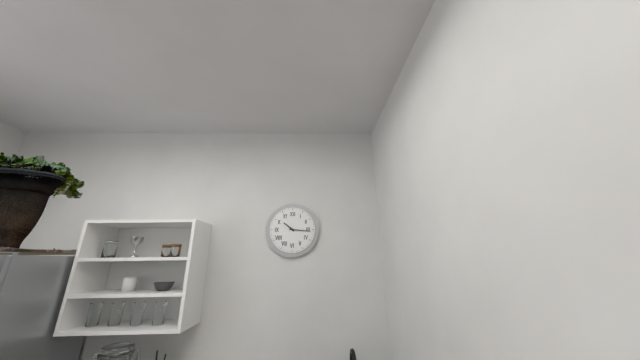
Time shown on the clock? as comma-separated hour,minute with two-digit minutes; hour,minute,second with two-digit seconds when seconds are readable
10,16
